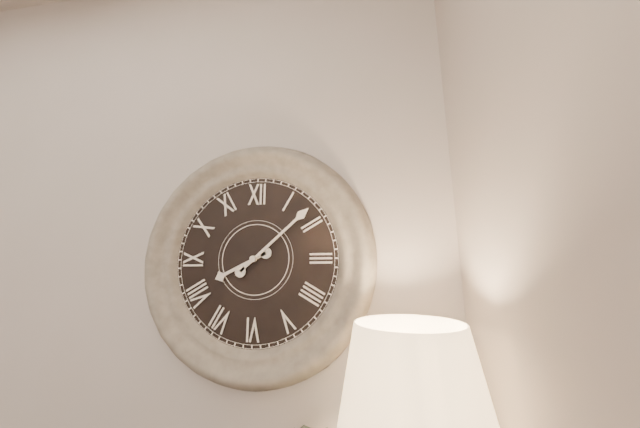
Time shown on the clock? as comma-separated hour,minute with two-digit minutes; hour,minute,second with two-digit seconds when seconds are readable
8,08
